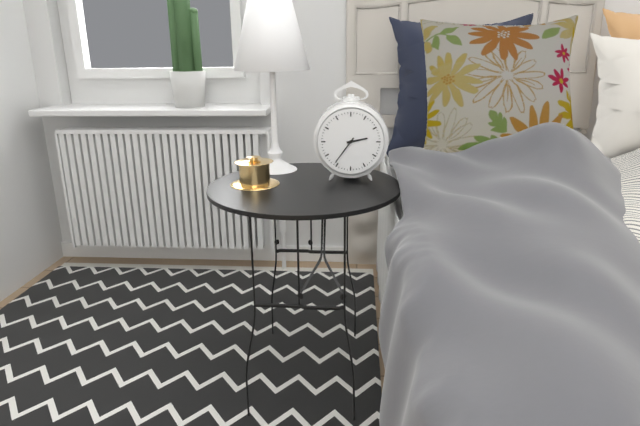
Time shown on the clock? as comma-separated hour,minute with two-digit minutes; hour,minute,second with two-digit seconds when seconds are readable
2,36
